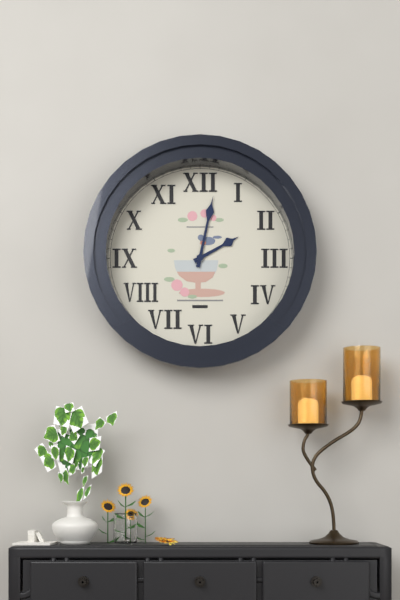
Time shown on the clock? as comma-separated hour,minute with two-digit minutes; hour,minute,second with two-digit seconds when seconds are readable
2,02
